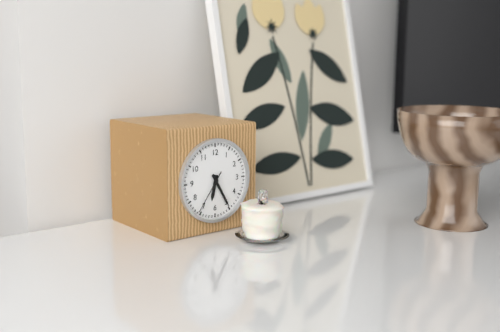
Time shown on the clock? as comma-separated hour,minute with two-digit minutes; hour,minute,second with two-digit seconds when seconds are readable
6,25
